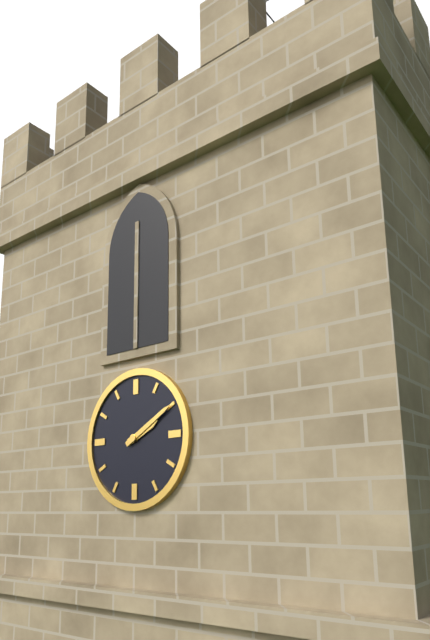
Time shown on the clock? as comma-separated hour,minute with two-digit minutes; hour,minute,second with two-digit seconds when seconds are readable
2,10
